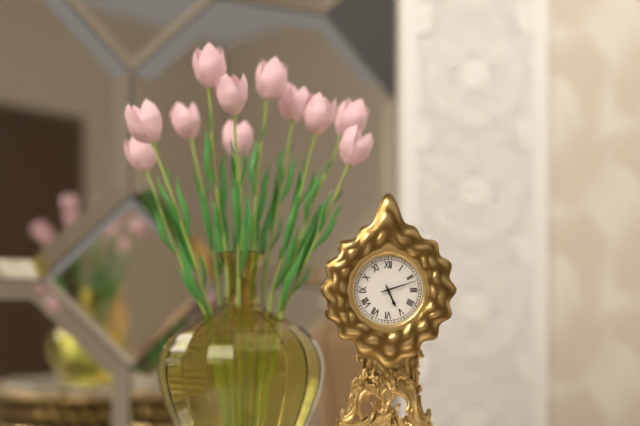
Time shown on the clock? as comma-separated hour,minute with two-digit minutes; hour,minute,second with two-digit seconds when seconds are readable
5,12
